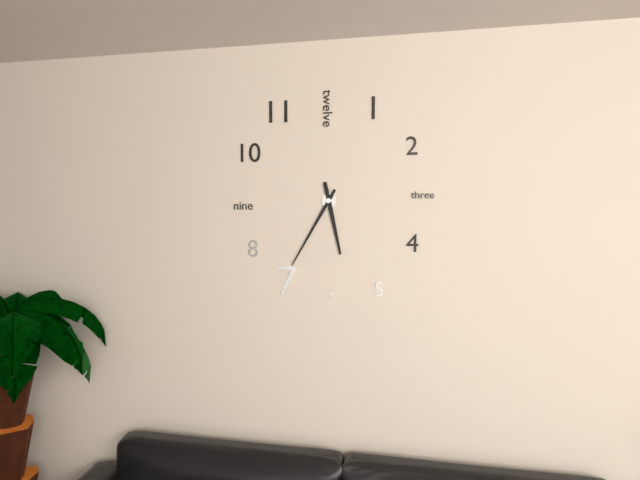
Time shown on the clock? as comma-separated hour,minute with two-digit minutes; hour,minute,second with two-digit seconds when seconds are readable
5,35
